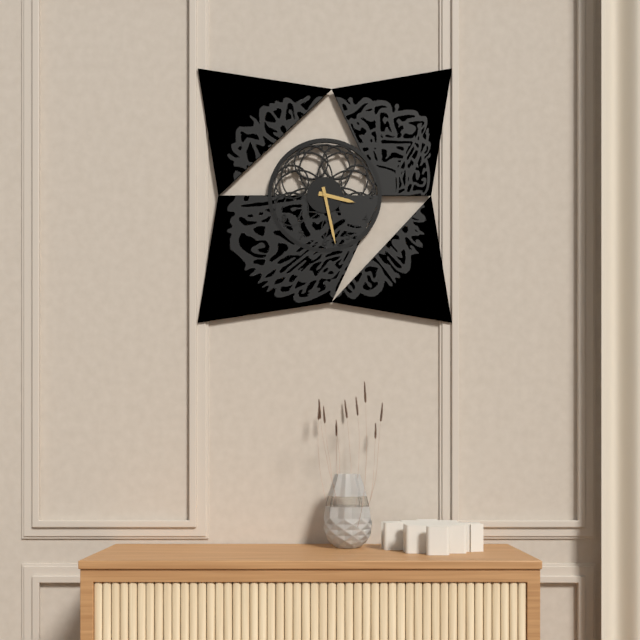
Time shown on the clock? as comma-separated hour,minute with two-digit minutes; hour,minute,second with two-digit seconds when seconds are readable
3,28
